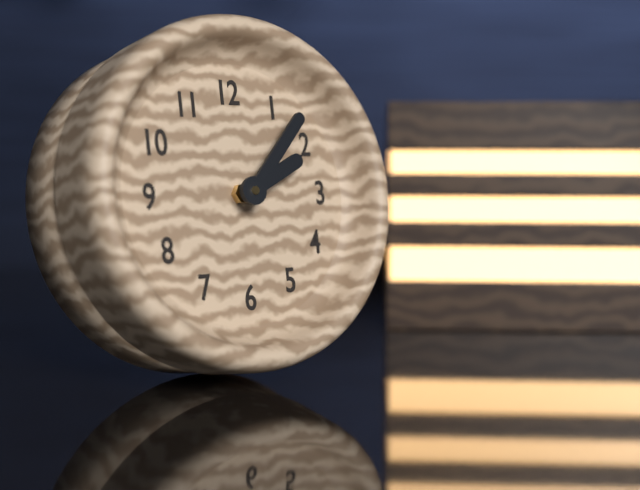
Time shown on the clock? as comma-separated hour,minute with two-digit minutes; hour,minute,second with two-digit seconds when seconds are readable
2,07
